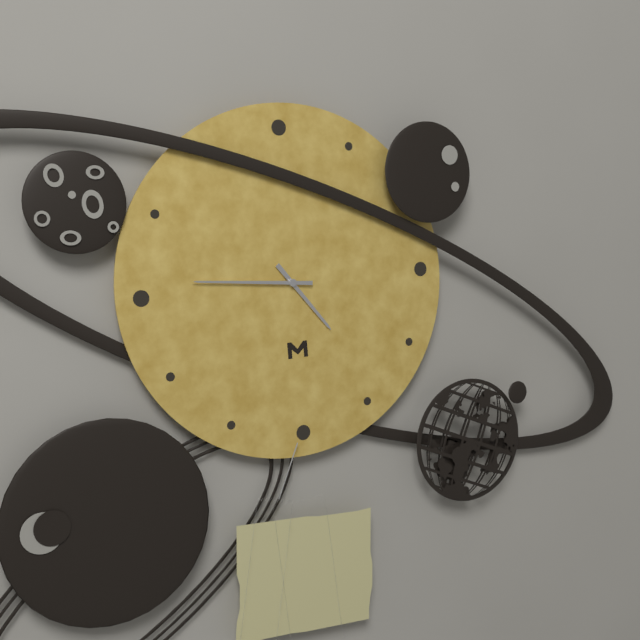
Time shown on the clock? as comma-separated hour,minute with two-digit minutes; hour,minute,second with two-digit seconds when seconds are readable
4,46
